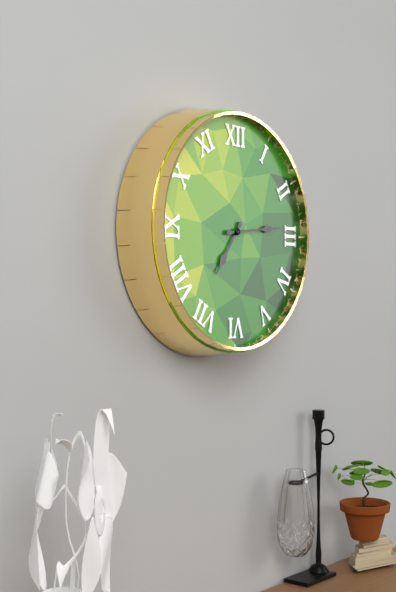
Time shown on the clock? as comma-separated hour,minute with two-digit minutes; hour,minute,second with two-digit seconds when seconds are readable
7,14
